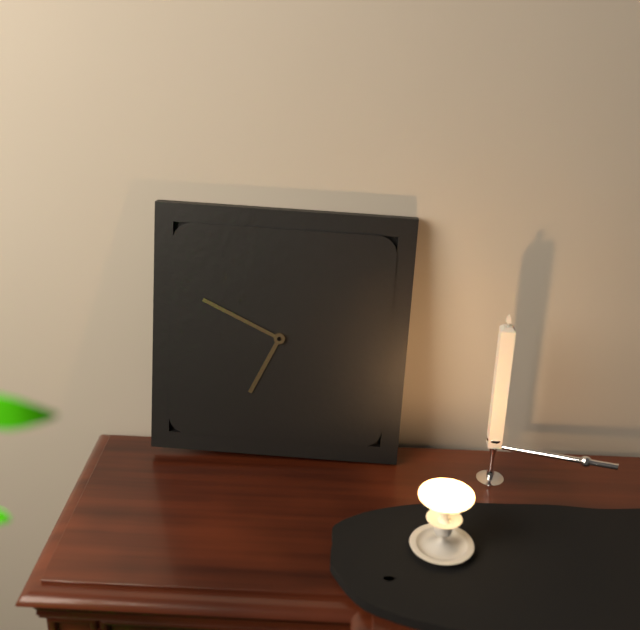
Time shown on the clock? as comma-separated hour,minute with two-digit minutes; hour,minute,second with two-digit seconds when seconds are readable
6,49
